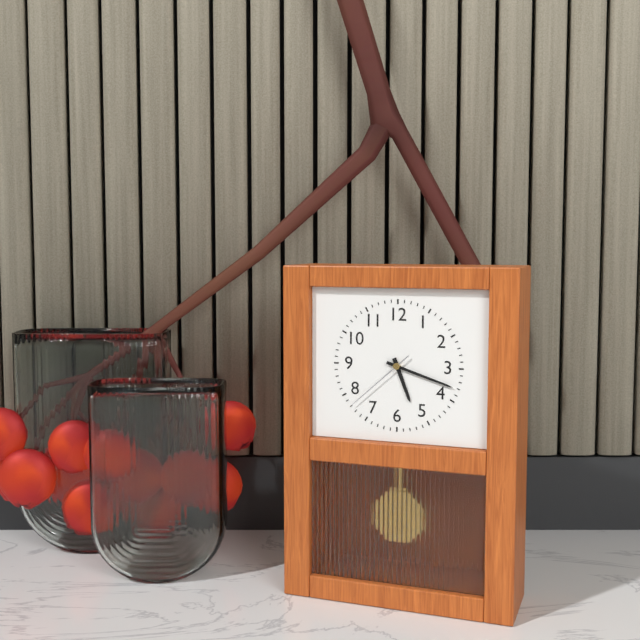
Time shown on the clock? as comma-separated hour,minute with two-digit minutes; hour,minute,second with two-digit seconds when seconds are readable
5,18,38
